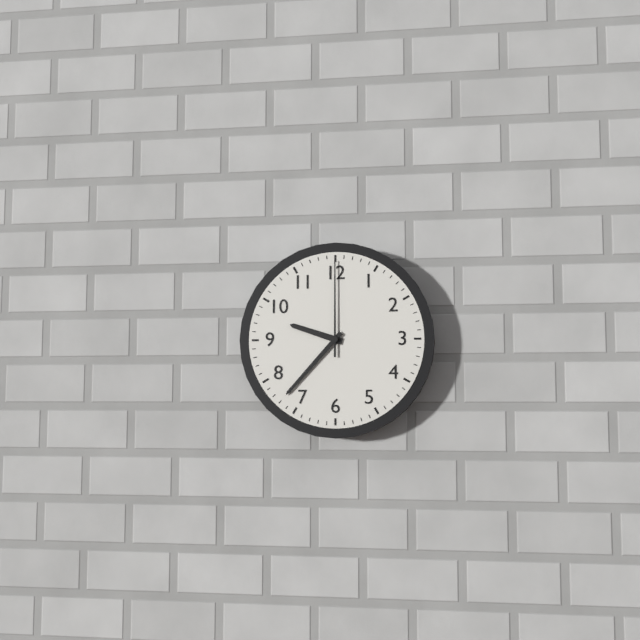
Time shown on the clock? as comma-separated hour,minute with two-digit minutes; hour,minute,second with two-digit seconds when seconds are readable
9,37,00
